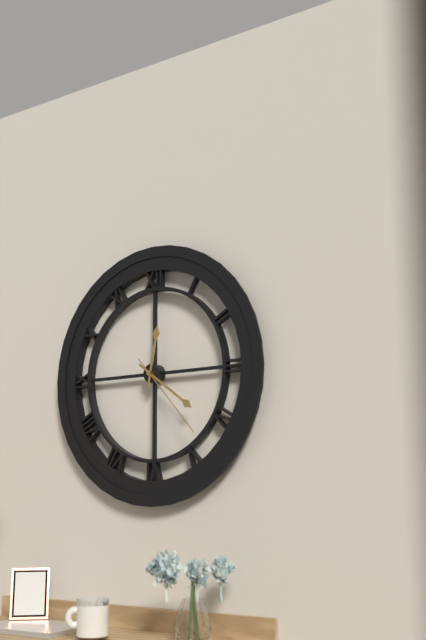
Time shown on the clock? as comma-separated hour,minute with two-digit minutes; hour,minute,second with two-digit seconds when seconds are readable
12,21,23
